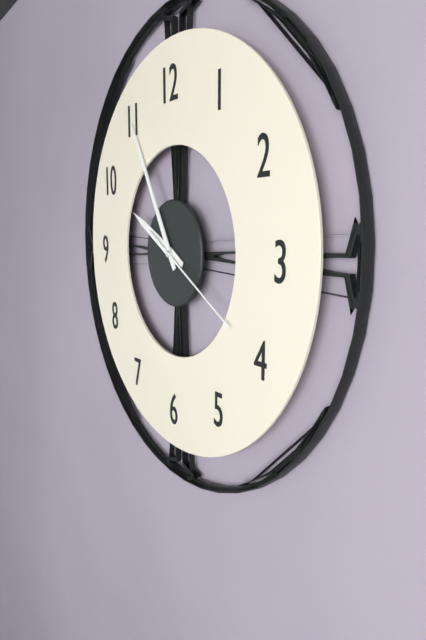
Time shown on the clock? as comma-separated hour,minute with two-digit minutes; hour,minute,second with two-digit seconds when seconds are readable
9,55,20
